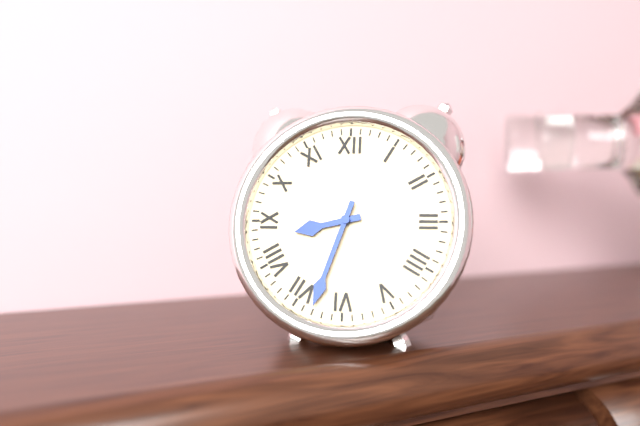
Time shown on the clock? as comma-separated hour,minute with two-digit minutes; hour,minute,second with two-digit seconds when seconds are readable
8,33
